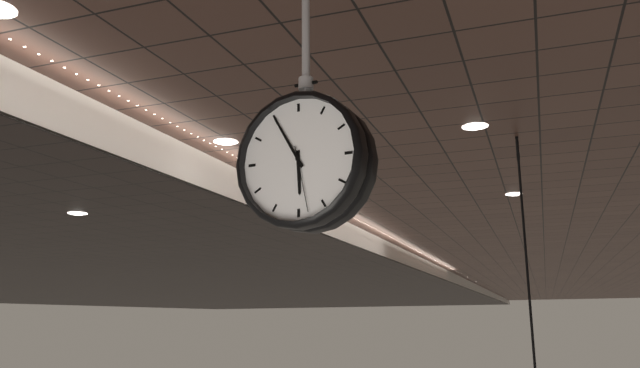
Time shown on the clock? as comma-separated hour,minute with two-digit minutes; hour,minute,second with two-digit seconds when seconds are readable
5,55,28
